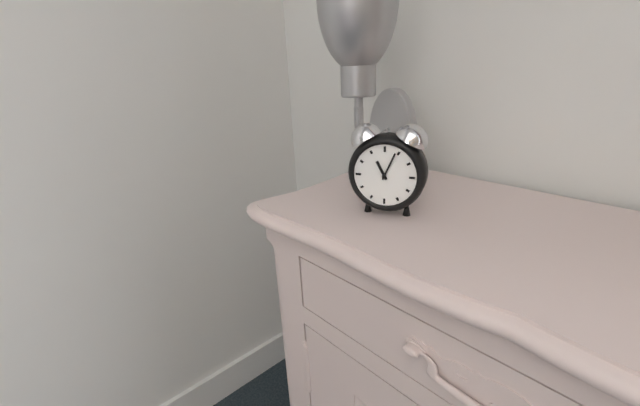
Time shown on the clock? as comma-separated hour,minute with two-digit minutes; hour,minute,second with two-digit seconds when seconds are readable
11,04
